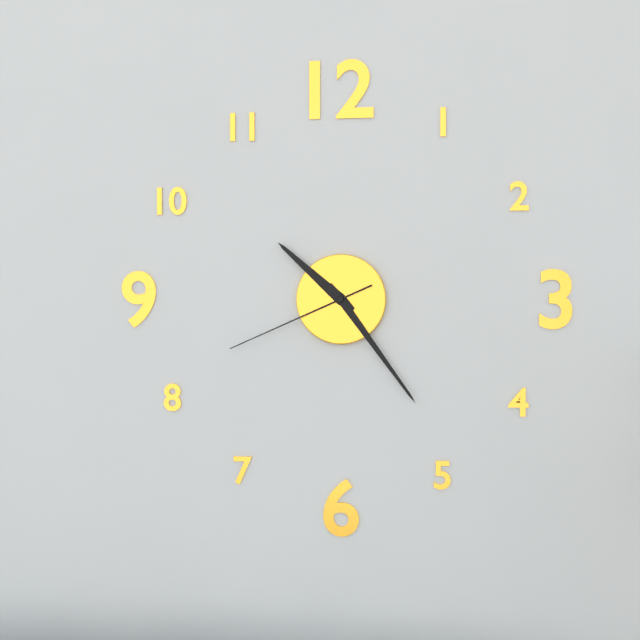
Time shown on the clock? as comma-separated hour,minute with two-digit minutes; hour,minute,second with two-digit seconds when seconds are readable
10,24,41
